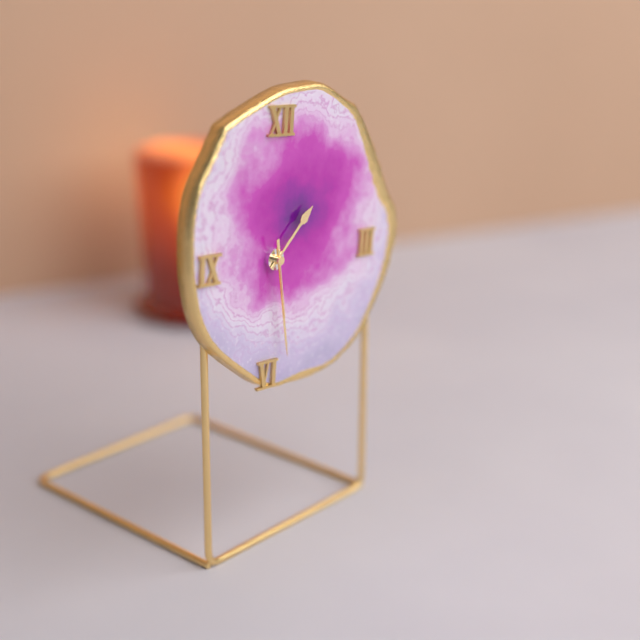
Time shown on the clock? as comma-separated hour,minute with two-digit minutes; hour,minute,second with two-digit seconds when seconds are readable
1,28,28
